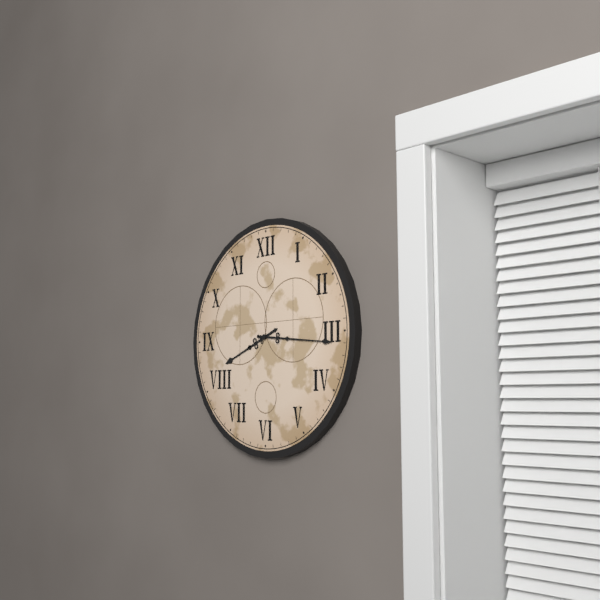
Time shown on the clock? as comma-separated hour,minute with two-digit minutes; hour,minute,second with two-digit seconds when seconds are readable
8,16
